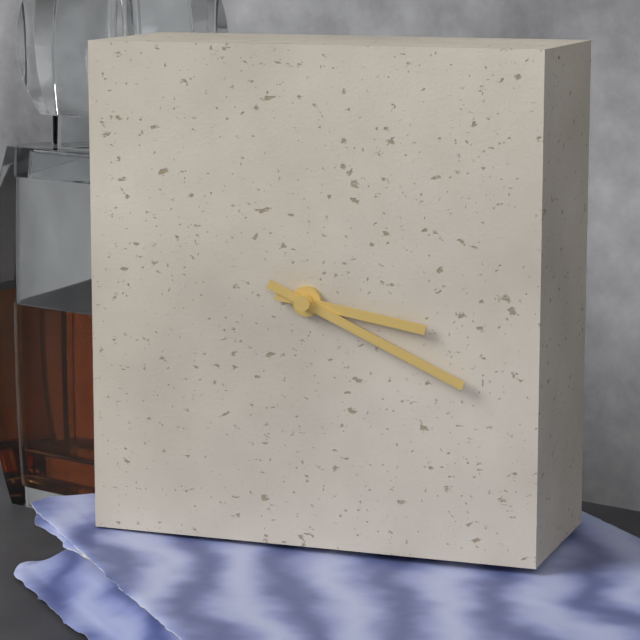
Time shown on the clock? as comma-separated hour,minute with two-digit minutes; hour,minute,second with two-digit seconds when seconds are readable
3,19
